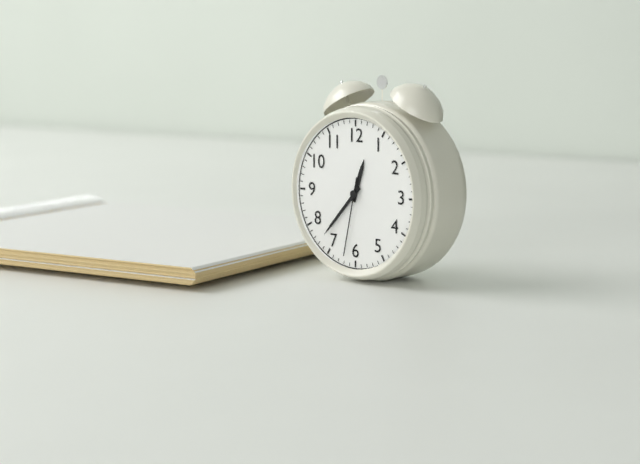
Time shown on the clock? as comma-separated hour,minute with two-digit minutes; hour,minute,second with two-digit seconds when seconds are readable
12,37,32
